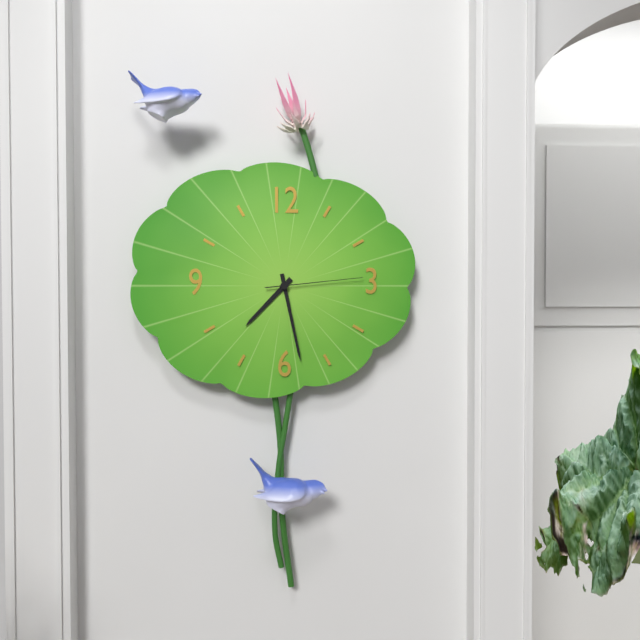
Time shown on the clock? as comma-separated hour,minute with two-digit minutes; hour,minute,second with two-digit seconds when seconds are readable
7,28,14
